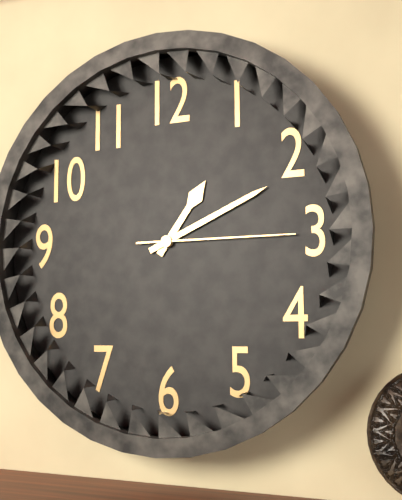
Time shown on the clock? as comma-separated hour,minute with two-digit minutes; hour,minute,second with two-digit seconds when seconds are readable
1,11,15
